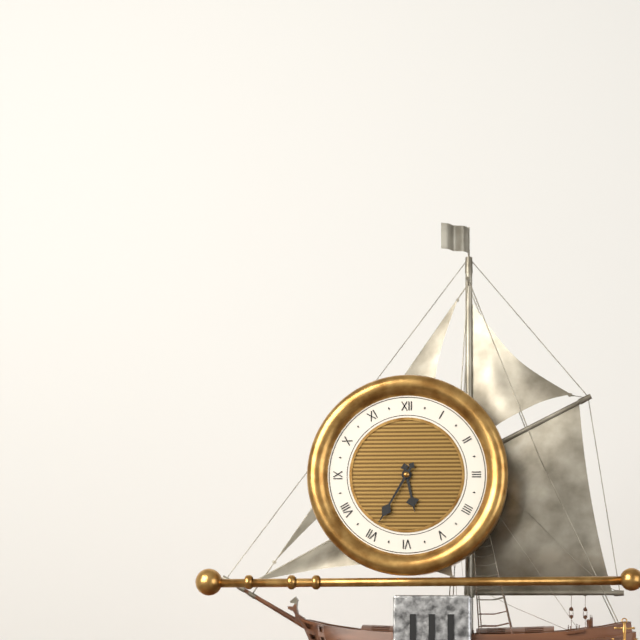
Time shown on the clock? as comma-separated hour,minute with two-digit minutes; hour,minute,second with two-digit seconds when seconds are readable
5,35
